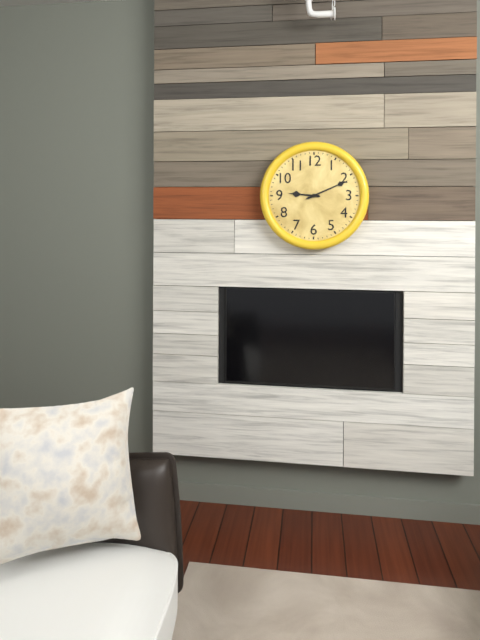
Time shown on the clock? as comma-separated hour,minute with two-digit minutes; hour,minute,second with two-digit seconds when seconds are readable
9,11
